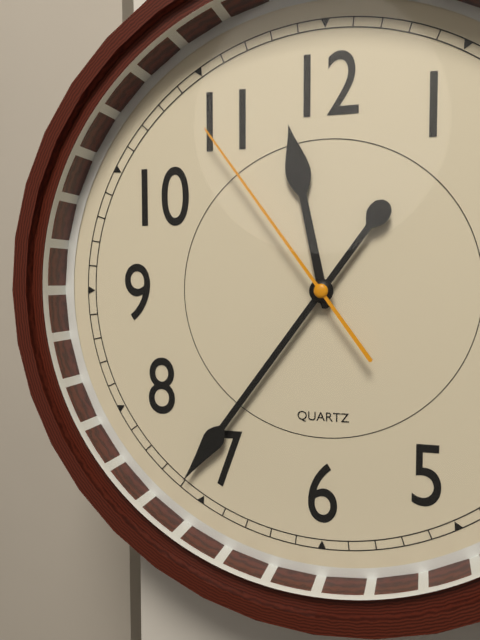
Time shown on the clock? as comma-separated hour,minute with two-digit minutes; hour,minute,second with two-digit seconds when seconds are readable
11,36,54
